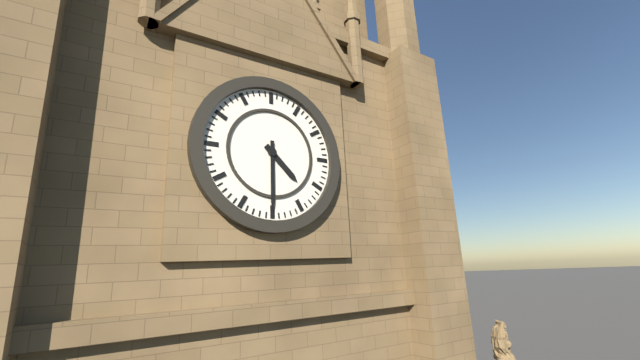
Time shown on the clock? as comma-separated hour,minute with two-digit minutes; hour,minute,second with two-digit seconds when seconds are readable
4,30
